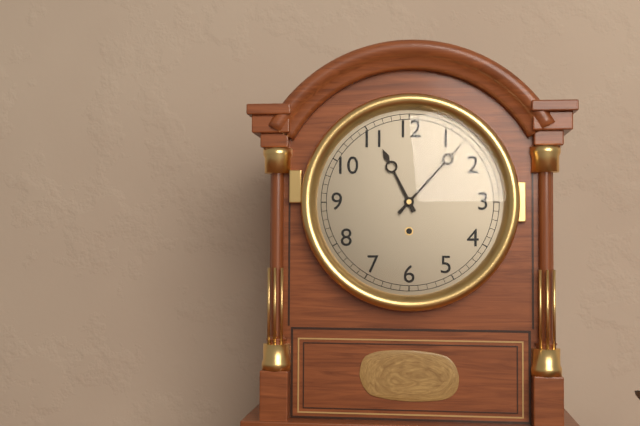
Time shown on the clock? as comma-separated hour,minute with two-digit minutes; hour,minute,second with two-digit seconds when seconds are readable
11,07
